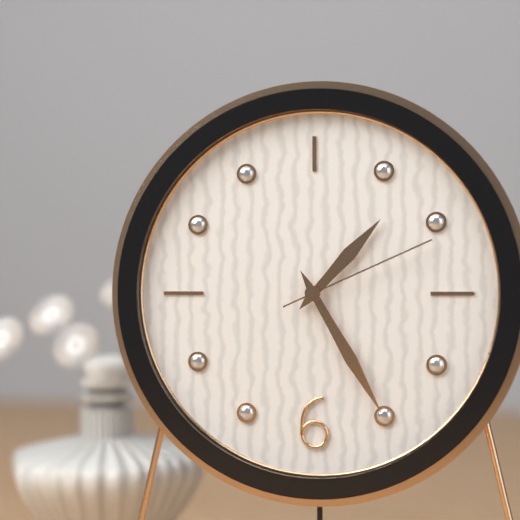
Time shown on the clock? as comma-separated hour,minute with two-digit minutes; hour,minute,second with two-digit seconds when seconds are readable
1,25,11
